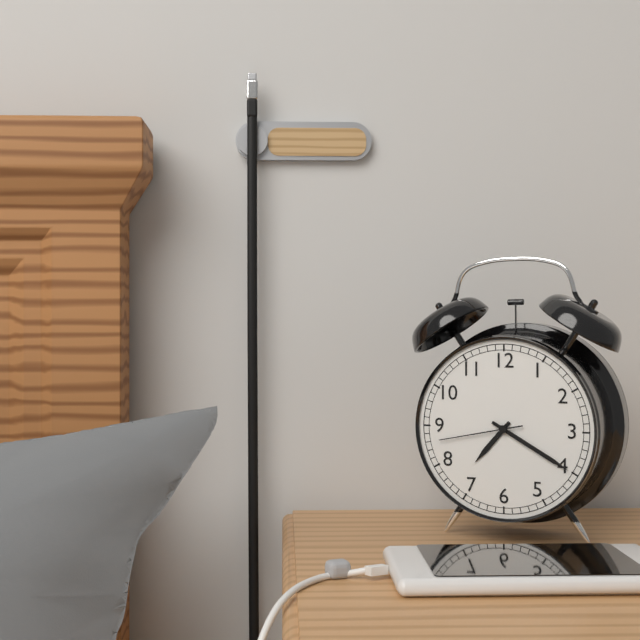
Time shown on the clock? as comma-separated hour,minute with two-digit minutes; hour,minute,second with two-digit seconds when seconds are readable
7,20,43
